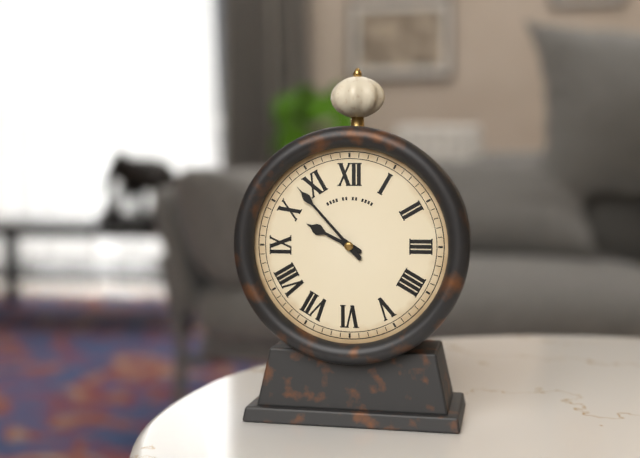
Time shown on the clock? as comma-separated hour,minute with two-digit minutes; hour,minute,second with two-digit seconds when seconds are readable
9,53
